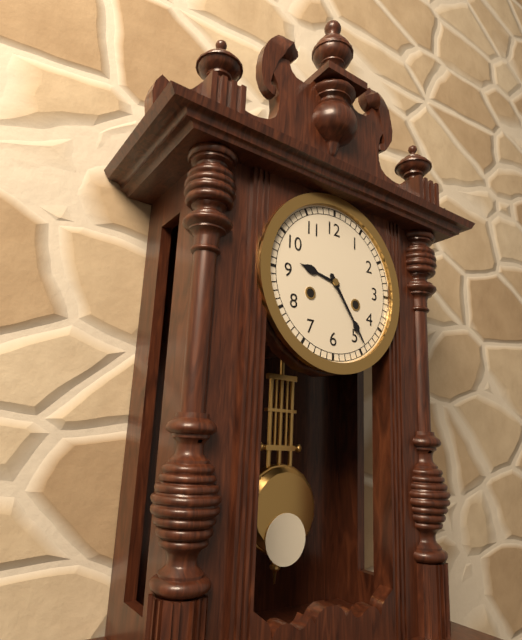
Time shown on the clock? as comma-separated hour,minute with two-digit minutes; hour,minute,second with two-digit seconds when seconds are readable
9,24
